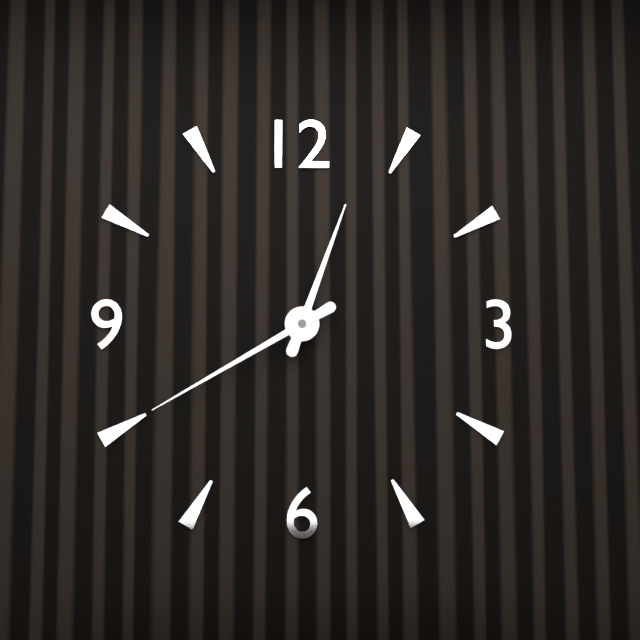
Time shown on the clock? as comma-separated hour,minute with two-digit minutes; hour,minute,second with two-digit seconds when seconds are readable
12,40
